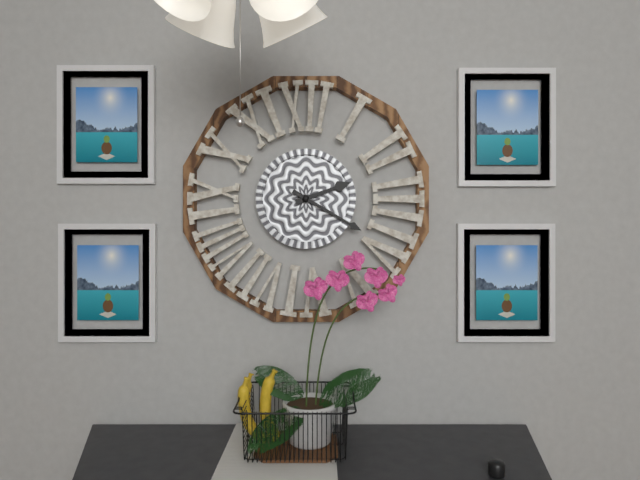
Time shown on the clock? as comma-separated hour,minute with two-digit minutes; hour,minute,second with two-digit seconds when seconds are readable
2,20
